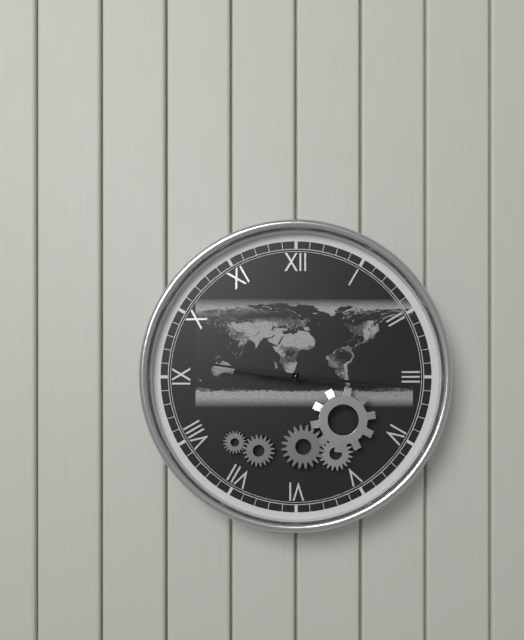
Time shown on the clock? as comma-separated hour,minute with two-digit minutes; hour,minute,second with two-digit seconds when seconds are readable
9,16
